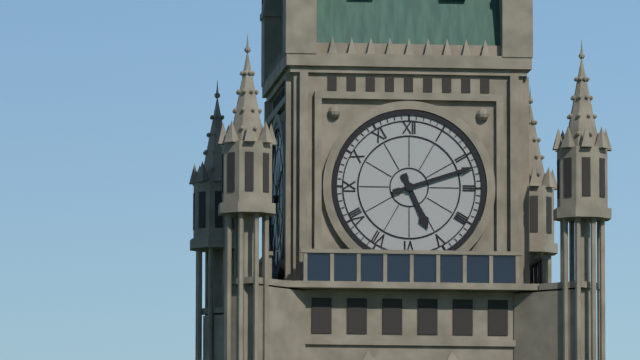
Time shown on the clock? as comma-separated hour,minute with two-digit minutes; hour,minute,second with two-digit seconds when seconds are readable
5,12
